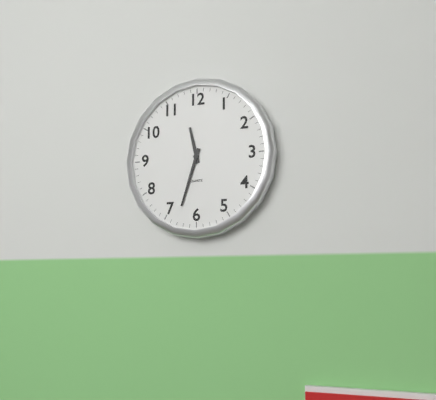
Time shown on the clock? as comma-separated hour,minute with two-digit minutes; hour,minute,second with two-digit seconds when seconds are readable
11,33
